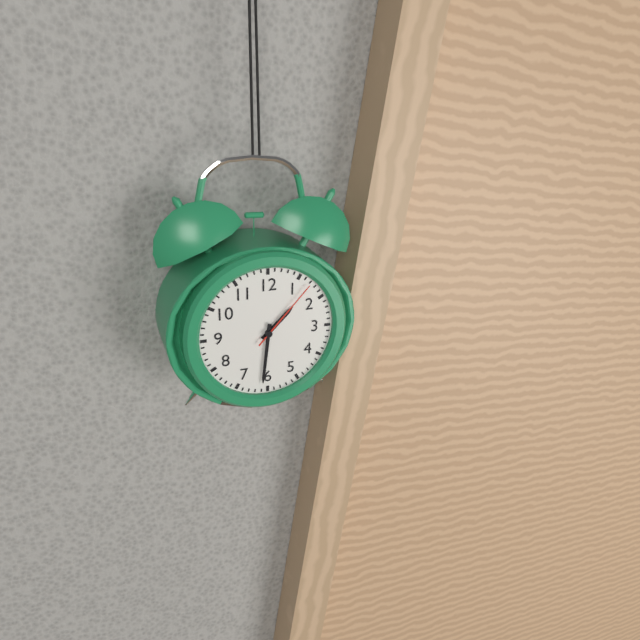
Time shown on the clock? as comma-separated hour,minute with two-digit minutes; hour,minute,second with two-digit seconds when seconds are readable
1,31,07
